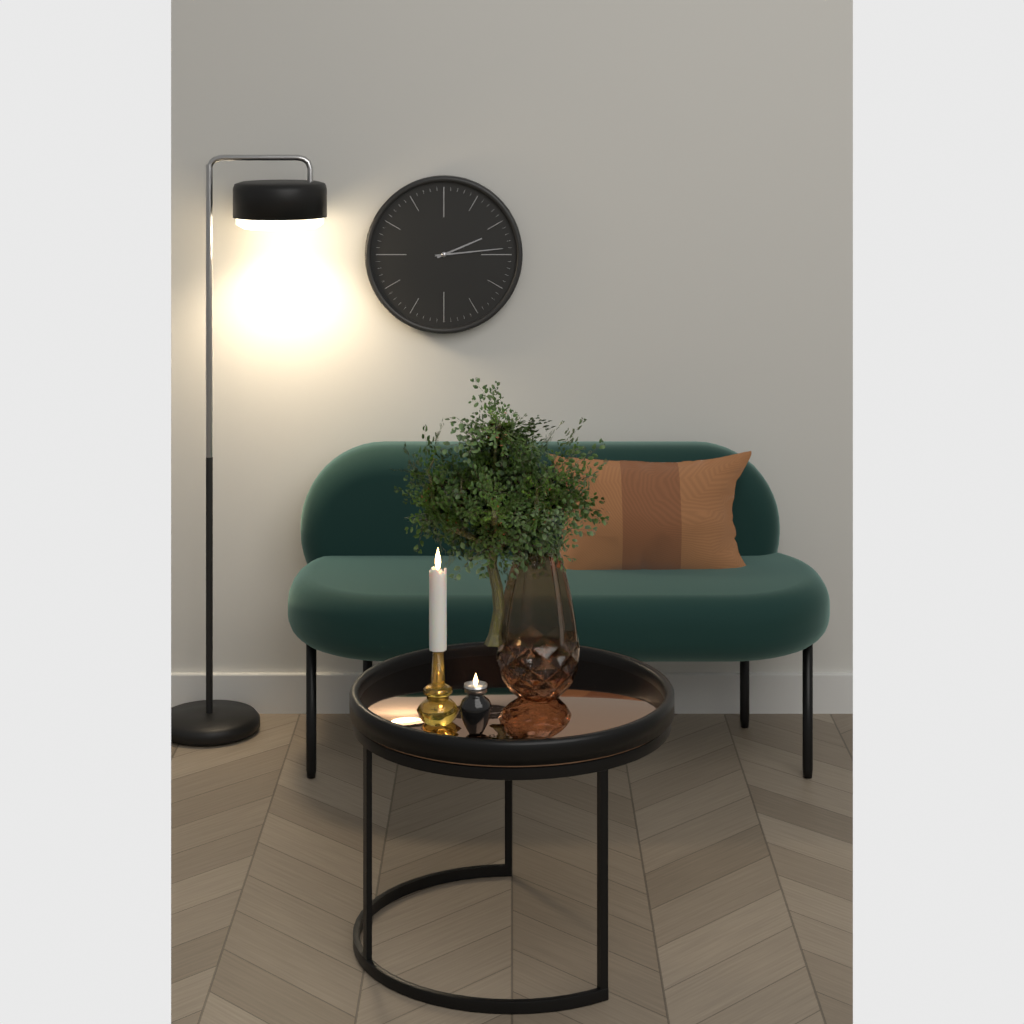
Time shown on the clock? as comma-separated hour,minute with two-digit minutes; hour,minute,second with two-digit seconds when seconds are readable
2,14
